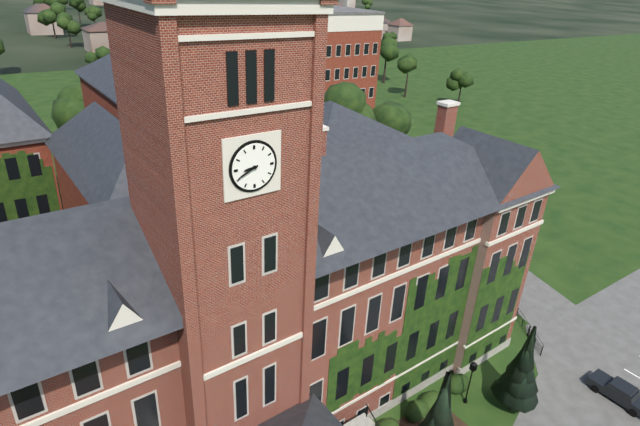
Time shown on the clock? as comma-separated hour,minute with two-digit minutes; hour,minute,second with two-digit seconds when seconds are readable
8,41
